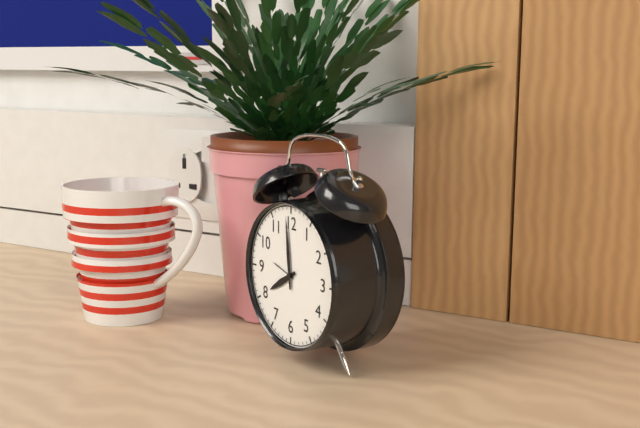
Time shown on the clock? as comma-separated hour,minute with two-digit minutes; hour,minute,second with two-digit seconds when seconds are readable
7,59
